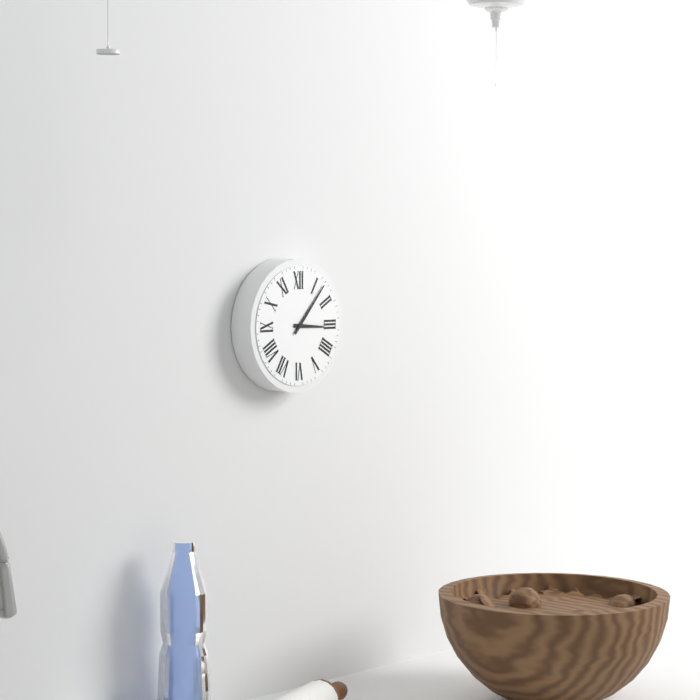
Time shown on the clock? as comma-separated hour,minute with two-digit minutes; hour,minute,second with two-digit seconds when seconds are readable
3,07
